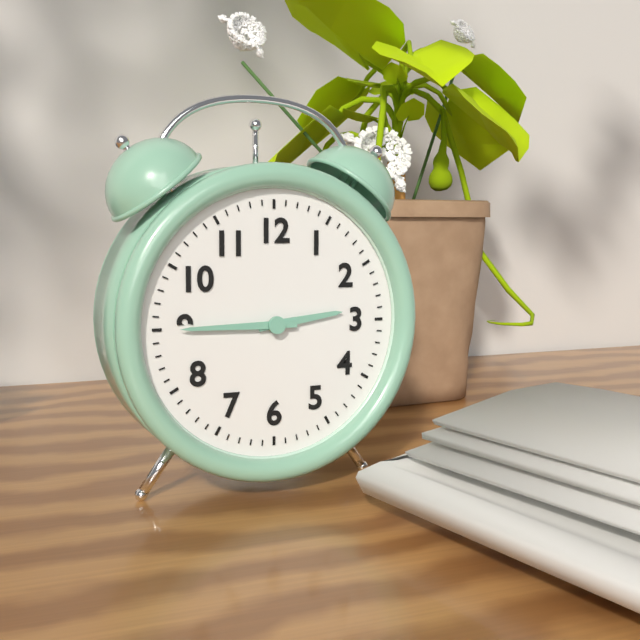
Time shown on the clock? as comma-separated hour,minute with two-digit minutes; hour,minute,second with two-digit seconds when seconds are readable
2,45
